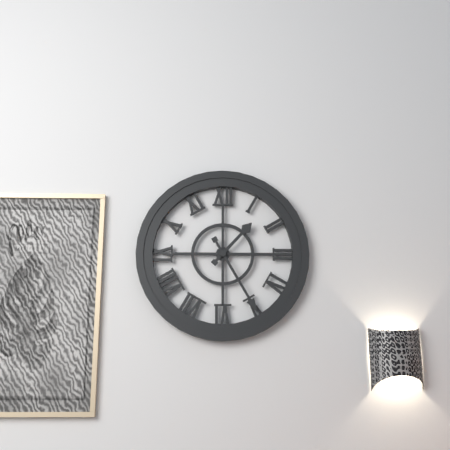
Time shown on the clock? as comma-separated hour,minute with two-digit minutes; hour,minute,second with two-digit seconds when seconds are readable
1,25
